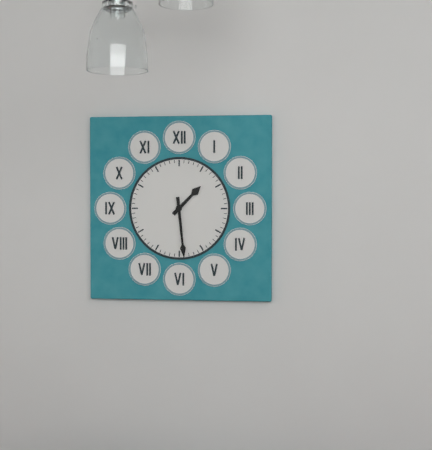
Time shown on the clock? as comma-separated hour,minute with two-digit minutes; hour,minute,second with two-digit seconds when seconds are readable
1,29
